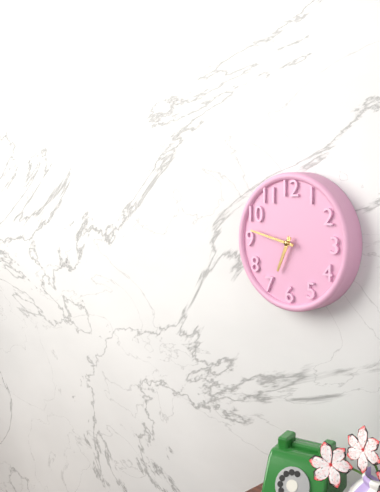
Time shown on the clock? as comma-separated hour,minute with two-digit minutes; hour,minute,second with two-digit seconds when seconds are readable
6,47
